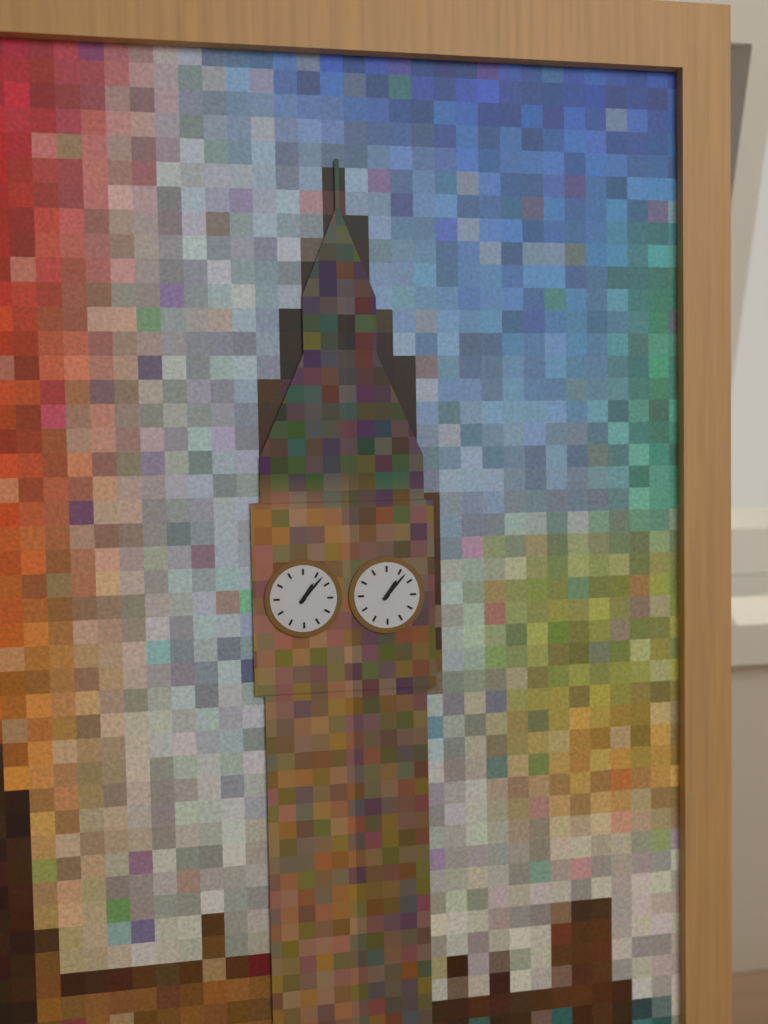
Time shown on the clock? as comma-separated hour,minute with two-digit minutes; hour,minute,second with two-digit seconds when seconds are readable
1,07
